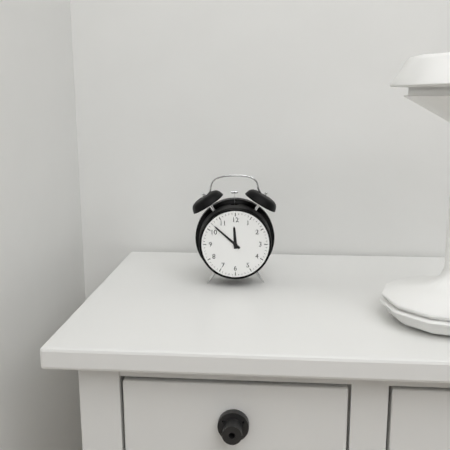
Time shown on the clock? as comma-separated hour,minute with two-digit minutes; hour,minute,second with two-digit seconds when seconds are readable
11,52
